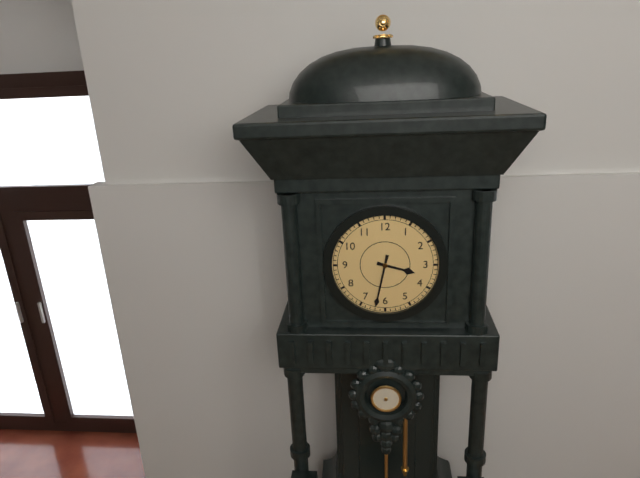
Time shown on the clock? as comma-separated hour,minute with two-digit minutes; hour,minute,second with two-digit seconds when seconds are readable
3,32
